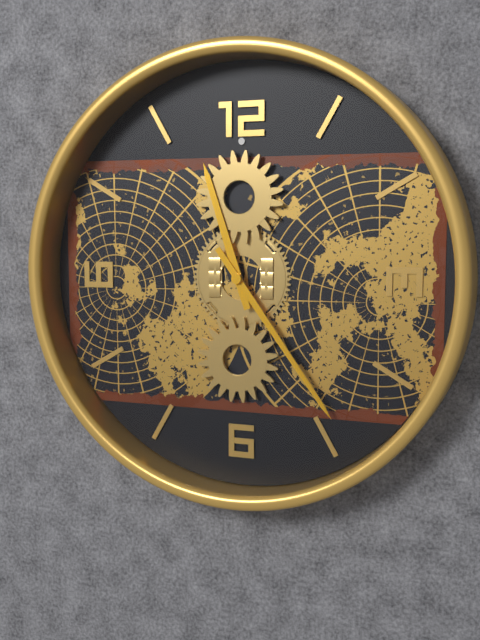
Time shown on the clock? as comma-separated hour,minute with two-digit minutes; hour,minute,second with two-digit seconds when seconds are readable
11,24
